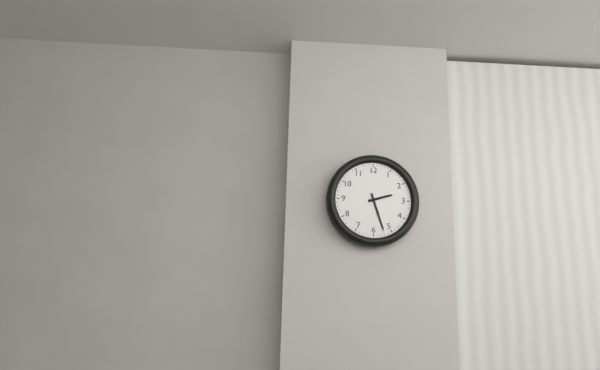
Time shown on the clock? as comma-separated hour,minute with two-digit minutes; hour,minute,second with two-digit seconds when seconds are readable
2,27
